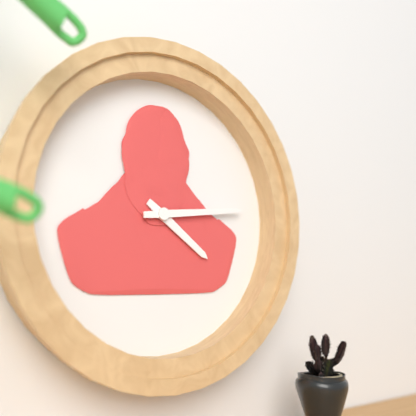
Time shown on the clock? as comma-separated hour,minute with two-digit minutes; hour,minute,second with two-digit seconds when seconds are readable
4,14
